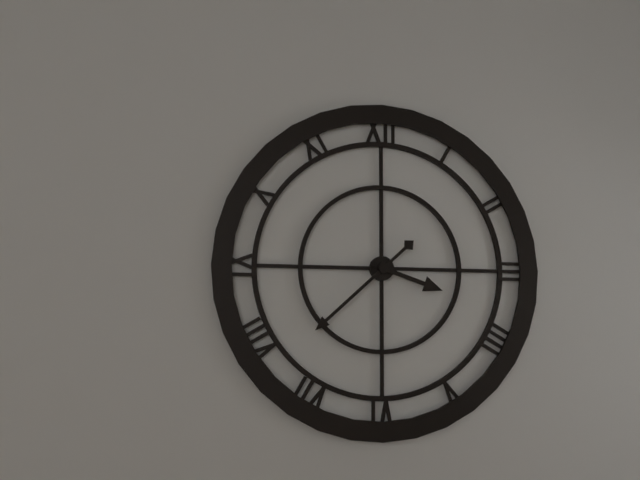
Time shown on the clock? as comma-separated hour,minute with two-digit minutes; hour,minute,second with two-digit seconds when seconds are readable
3,38
